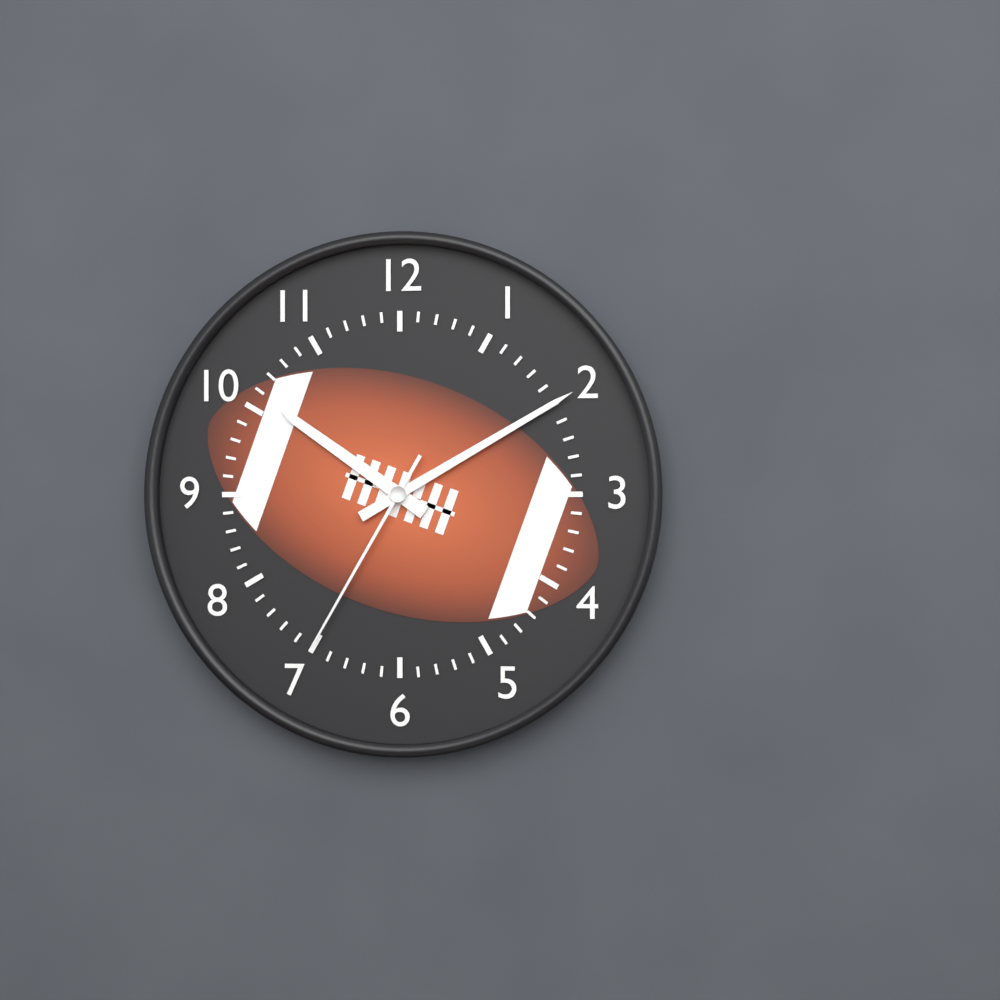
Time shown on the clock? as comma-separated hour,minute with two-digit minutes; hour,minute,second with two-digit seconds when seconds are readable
10,10,35
